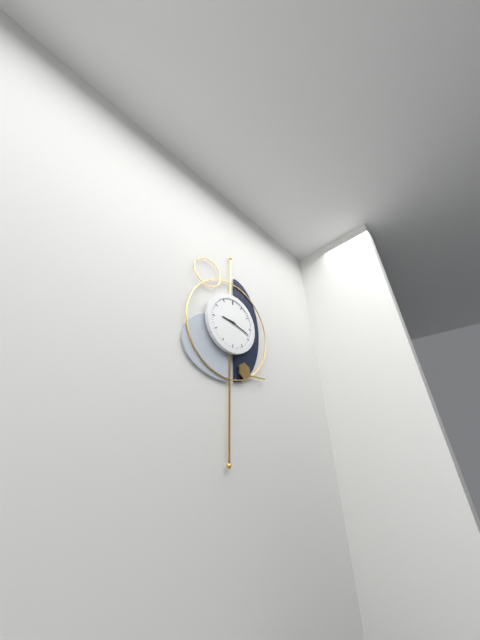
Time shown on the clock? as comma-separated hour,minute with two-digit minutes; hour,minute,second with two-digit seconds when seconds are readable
9,18
